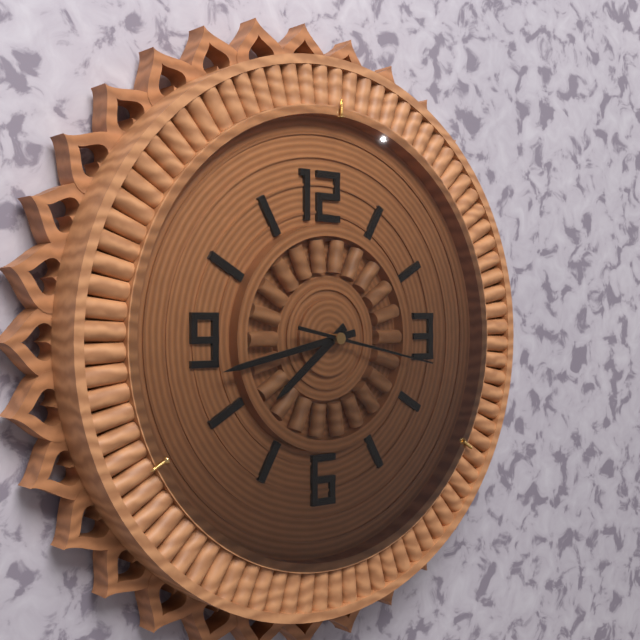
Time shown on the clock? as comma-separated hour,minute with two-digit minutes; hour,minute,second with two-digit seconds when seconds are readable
7,43,17
